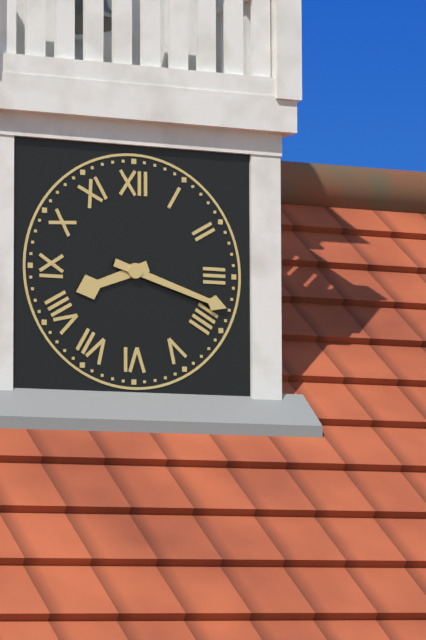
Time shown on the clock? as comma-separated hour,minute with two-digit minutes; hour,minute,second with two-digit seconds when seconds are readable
8,18
